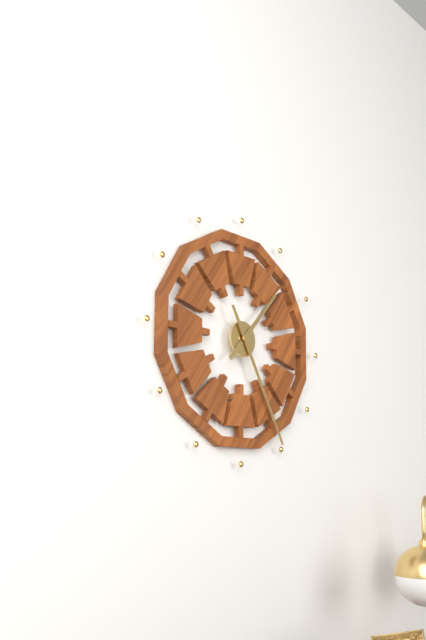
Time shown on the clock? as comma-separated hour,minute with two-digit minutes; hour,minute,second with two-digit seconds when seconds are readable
1,25
